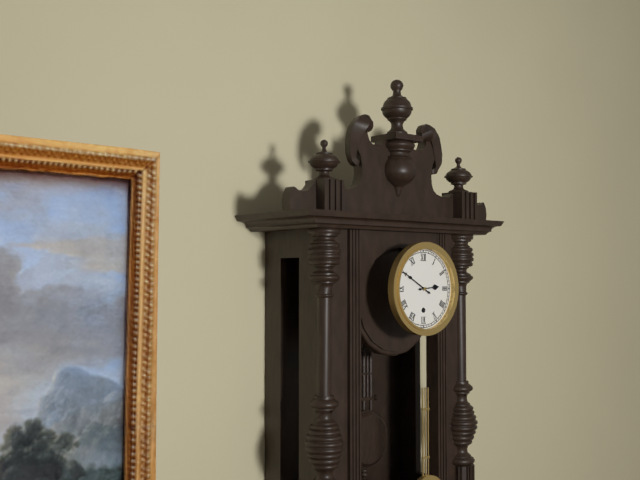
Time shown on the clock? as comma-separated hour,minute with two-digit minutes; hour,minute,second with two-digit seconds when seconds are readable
2,50
